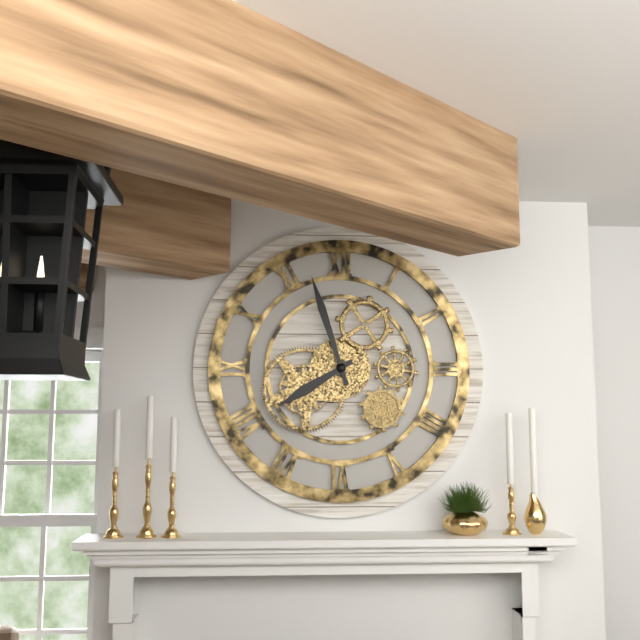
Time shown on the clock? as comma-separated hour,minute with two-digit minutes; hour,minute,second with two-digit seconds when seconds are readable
7,57
